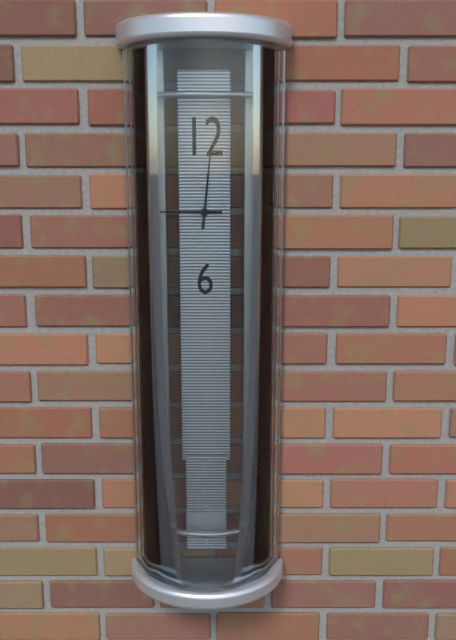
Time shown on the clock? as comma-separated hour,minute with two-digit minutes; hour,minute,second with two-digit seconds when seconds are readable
9,01
